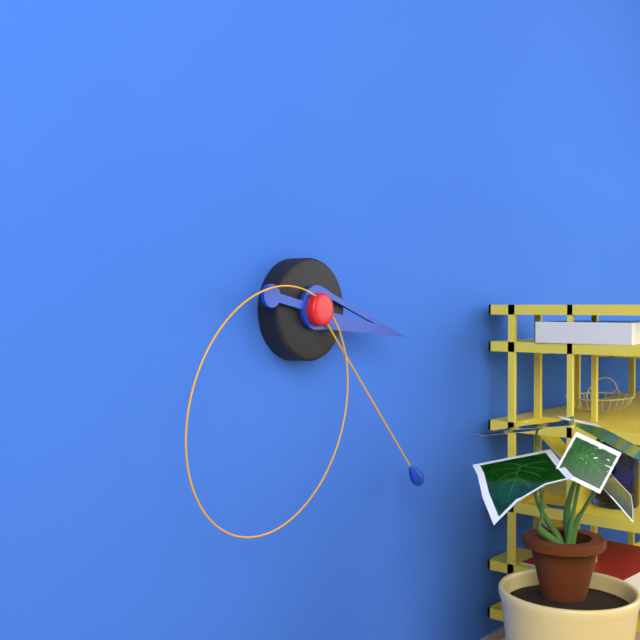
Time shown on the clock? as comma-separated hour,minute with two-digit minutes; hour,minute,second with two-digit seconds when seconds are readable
3,23,36
